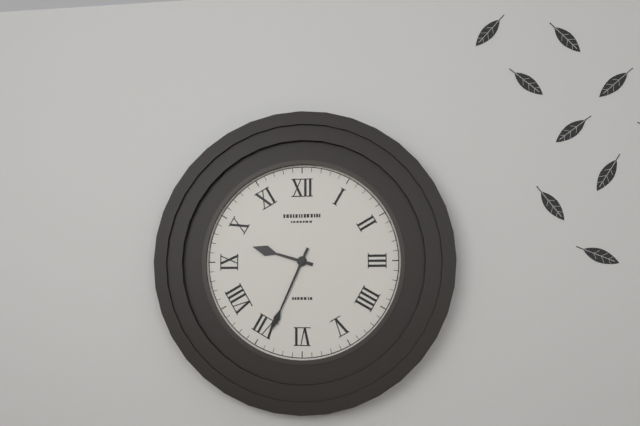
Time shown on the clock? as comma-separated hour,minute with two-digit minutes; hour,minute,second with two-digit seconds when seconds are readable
9,34
